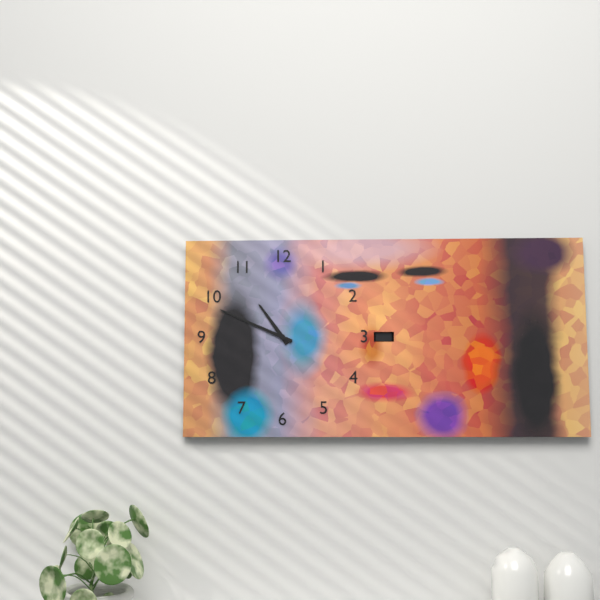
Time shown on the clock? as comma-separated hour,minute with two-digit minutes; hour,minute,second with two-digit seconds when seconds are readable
10,49
